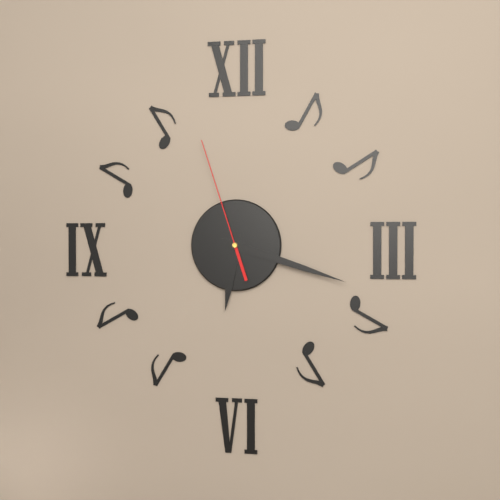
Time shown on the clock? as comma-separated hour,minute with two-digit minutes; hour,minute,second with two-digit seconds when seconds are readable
6,18,57
